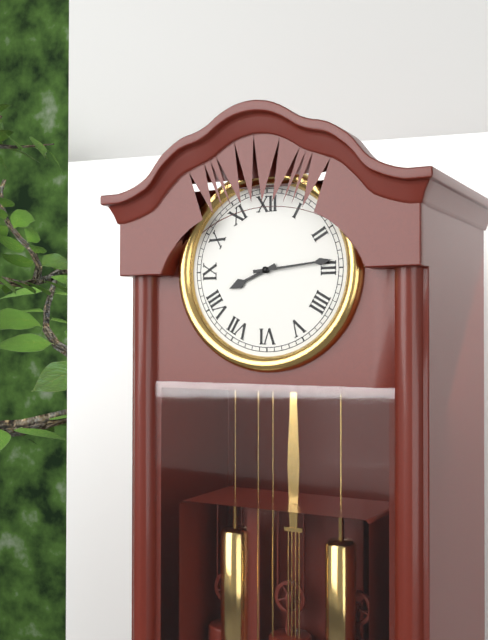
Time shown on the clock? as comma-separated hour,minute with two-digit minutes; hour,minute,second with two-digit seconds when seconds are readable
8,14
